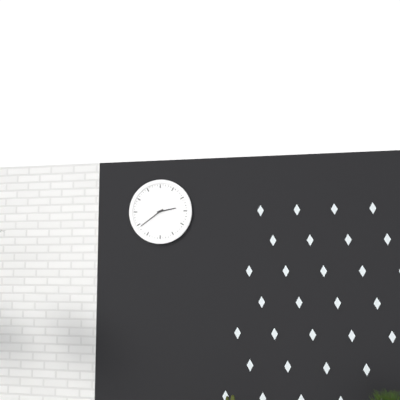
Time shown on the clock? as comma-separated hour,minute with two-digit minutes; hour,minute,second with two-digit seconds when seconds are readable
2,39
